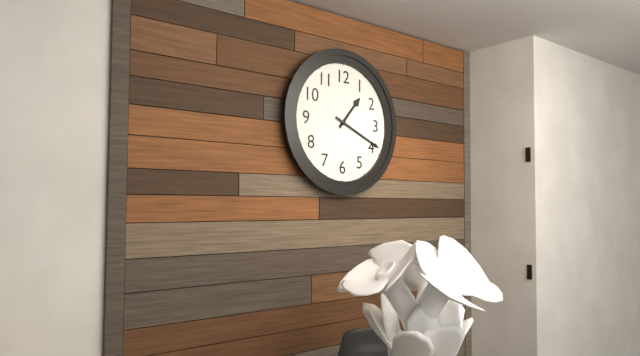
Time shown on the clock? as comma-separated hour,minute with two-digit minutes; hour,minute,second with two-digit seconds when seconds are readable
1,19
